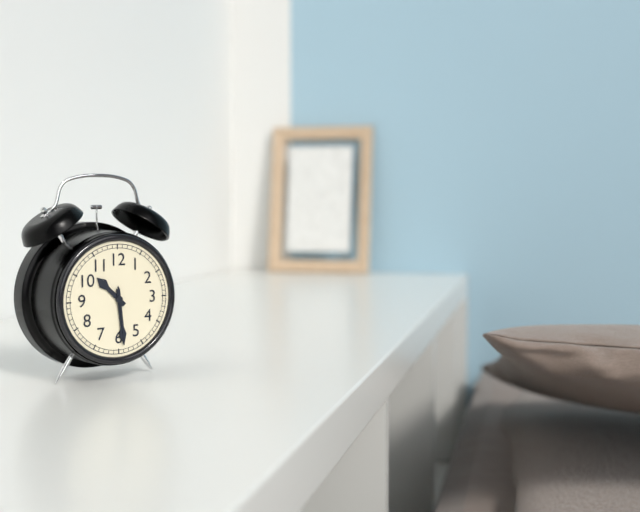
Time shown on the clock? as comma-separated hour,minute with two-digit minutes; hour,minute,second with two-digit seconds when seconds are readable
10,29,29
